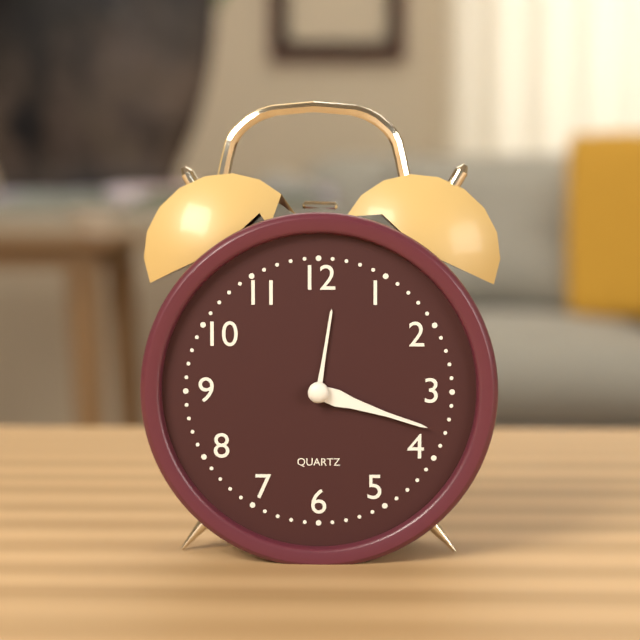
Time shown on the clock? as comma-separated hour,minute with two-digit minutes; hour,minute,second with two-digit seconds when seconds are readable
12,18
